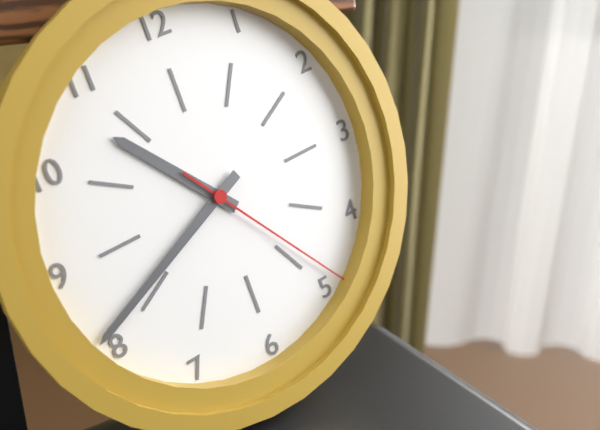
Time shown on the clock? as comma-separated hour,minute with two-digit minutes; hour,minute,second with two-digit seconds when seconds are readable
10,41,24
